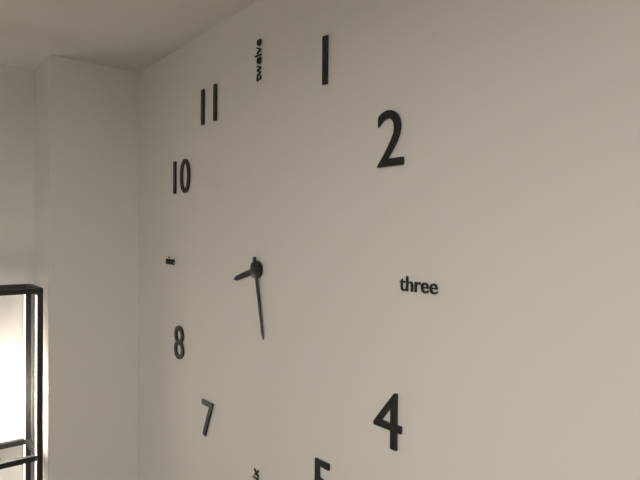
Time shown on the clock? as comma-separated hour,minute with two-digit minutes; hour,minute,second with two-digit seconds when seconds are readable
8,28
